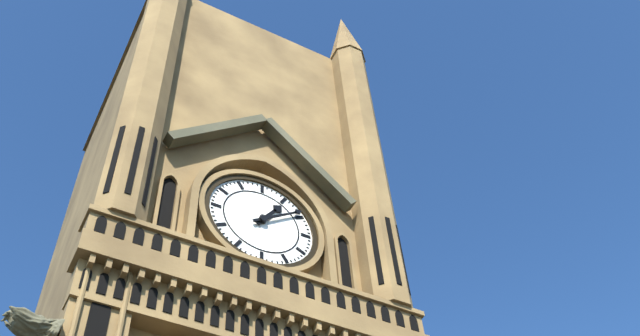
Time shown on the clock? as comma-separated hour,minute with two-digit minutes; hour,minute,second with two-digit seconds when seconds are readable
1,09
